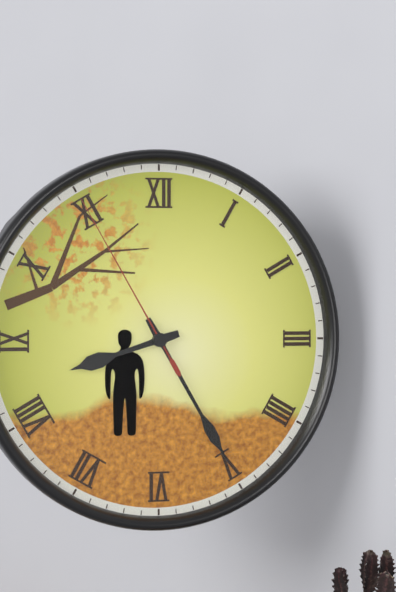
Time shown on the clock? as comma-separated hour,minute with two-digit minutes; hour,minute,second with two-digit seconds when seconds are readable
8,25,55
